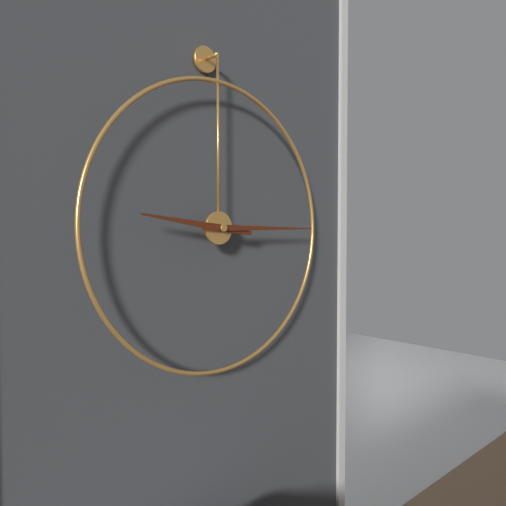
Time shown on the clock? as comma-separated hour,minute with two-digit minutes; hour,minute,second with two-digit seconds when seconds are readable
9,15
